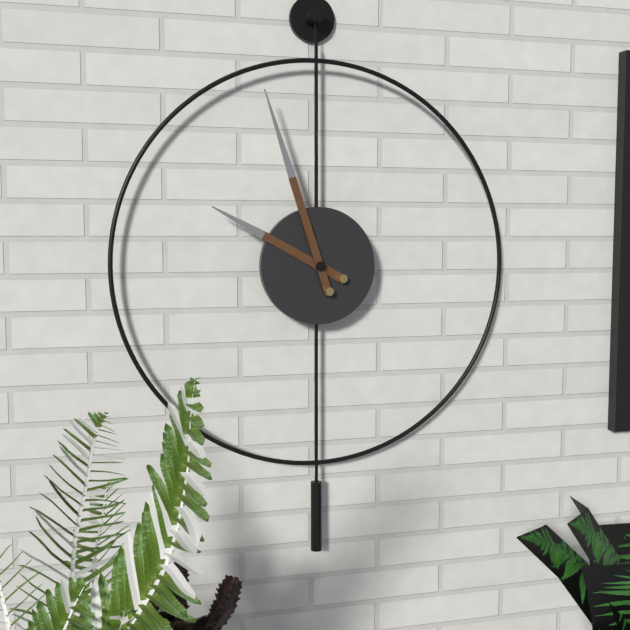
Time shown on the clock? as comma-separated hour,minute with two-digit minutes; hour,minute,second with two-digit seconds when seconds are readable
9,57
